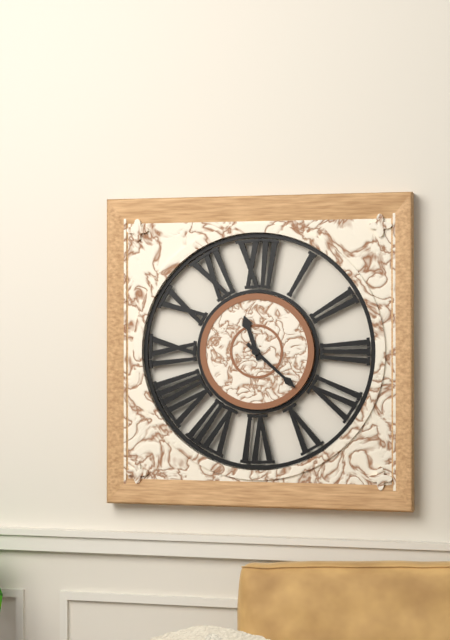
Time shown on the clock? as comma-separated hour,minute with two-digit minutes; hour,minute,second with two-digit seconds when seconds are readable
11,22
